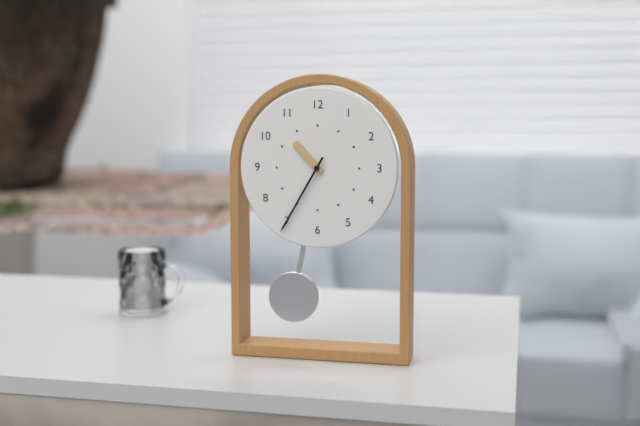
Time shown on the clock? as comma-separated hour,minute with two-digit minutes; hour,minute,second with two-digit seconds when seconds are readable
10,35
